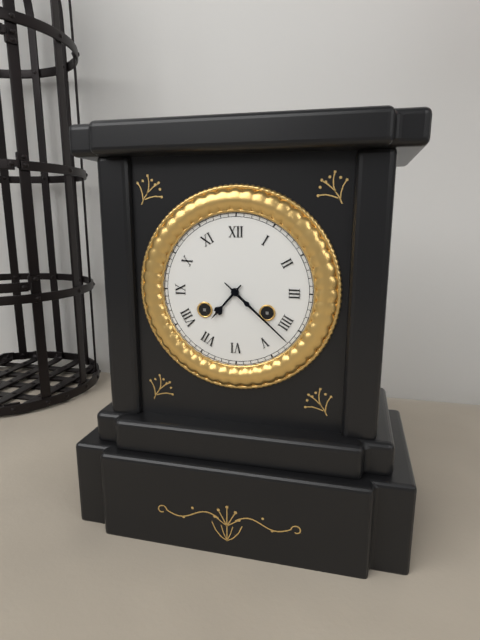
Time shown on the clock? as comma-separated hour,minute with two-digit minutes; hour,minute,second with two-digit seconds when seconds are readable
7,22
